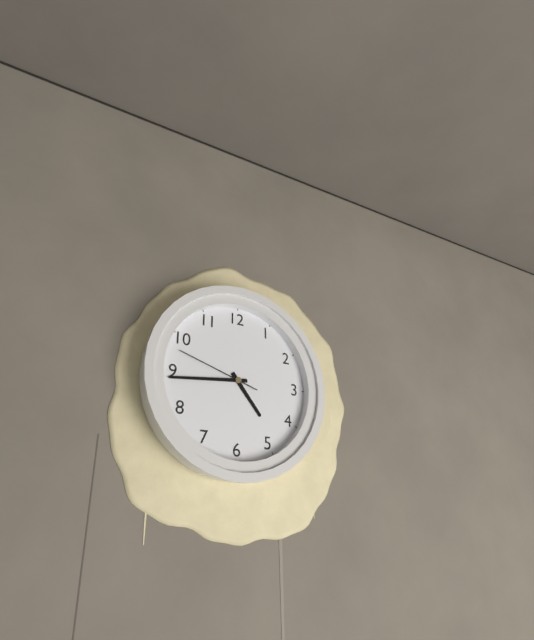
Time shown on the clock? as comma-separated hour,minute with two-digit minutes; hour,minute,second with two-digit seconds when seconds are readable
4,44,48
